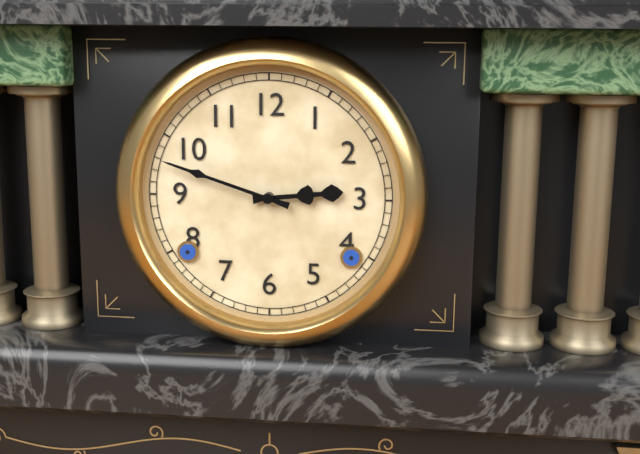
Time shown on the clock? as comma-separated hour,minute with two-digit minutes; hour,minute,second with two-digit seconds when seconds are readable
2,48
